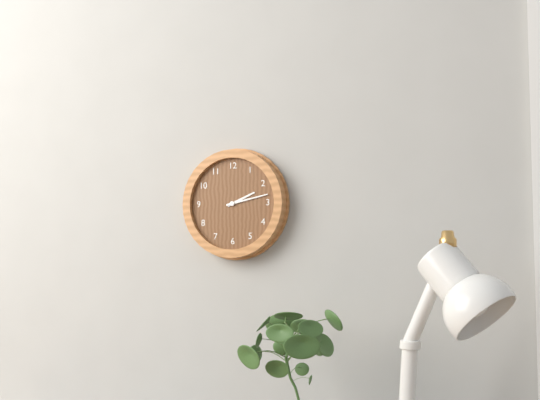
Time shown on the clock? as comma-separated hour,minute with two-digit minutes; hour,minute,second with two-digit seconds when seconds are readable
2,13
